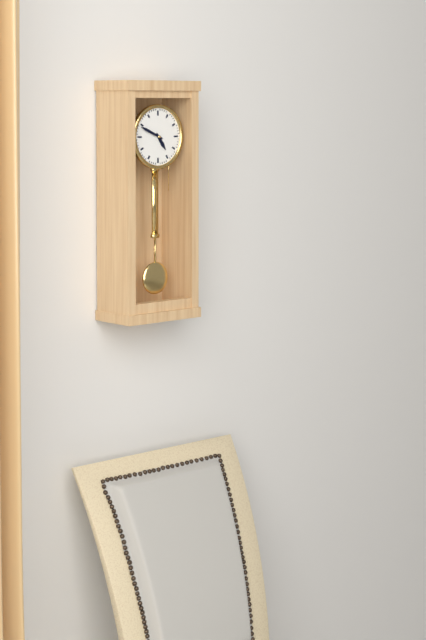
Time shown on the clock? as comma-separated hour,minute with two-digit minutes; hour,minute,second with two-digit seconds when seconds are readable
4,49
